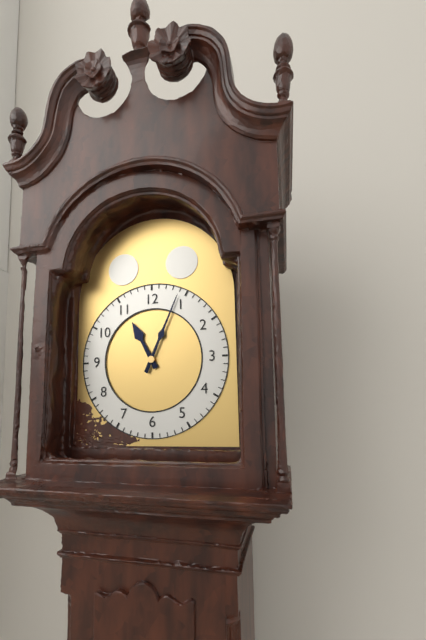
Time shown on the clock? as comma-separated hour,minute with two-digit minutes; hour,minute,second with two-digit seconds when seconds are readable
11,04
